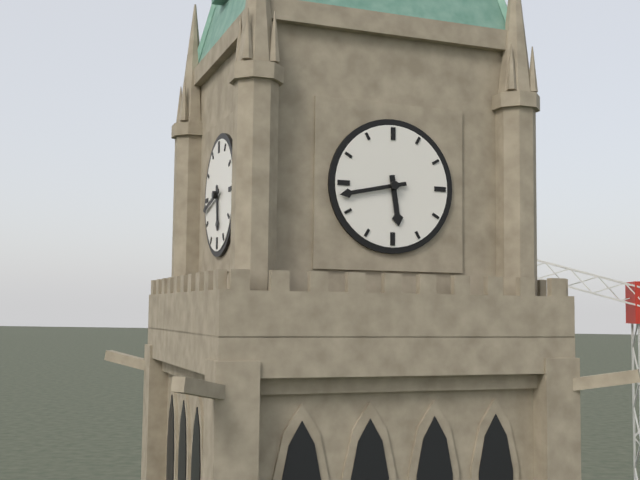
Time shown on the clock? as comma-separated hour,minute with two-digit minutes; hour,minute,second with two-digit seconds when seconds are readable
5,43
